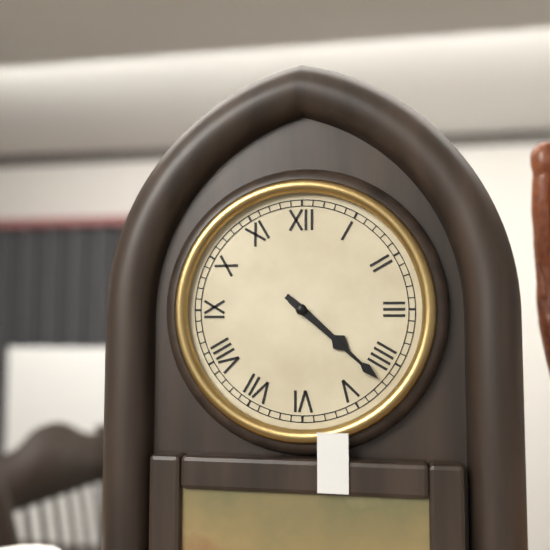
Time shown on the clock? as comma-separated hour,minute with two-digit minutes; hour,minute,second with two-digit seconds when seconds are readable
4,22
